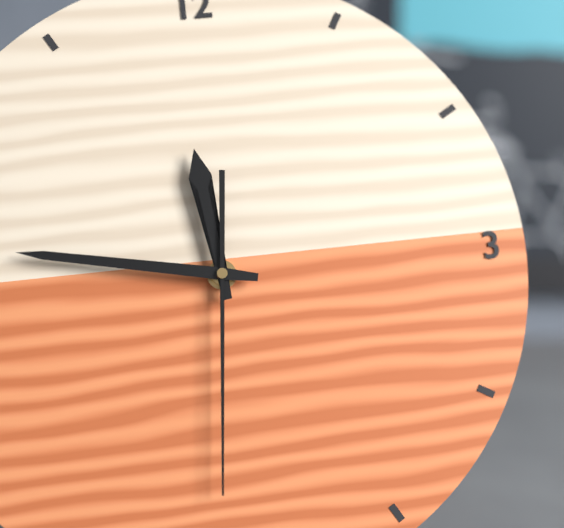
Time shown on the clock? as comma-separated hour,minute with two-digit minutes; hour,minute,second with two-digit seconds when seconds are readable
11,47,31
